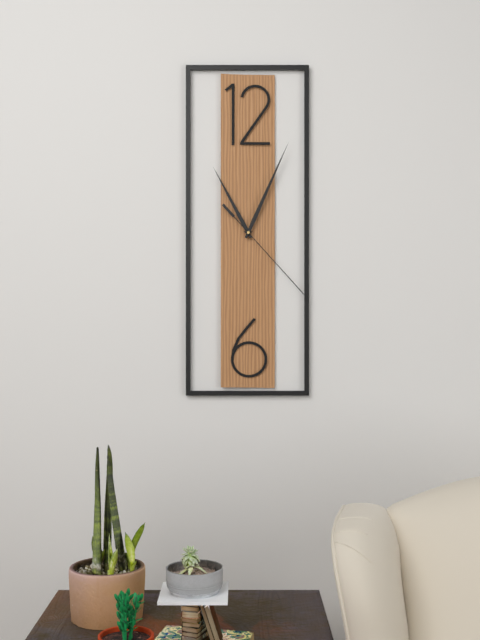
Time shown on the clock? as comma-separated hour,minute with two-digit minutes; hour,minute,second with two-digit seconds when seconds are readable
11,04,23
